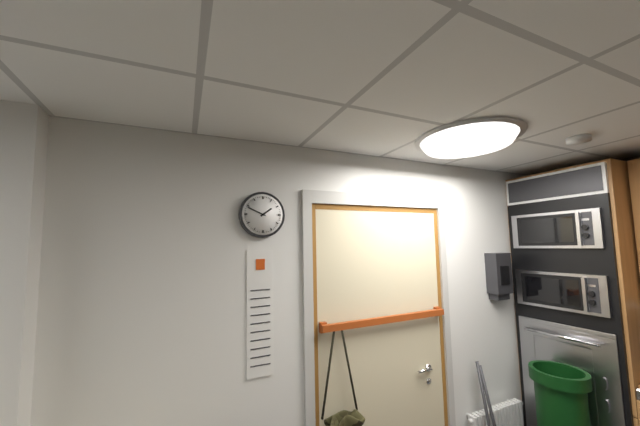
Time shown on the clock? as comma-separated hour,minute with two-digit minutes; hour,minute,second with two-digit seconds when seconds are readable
1,49
